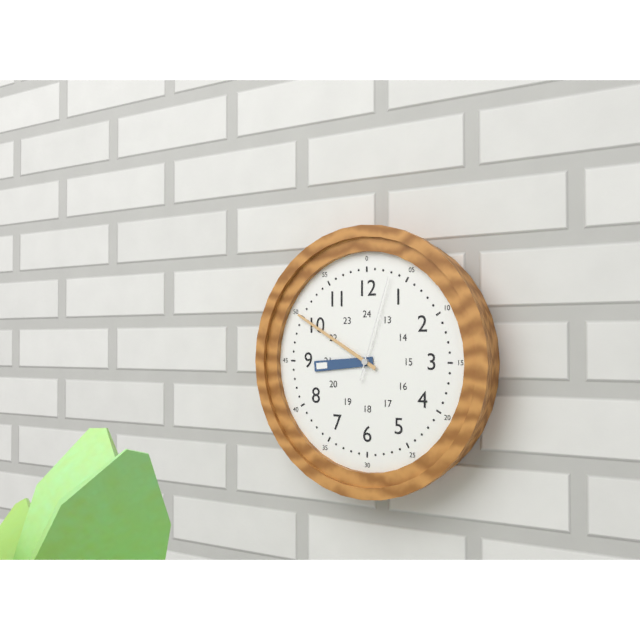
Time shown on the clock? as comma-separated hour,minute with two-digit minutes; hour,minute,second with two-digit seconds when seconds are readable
8,50,03
